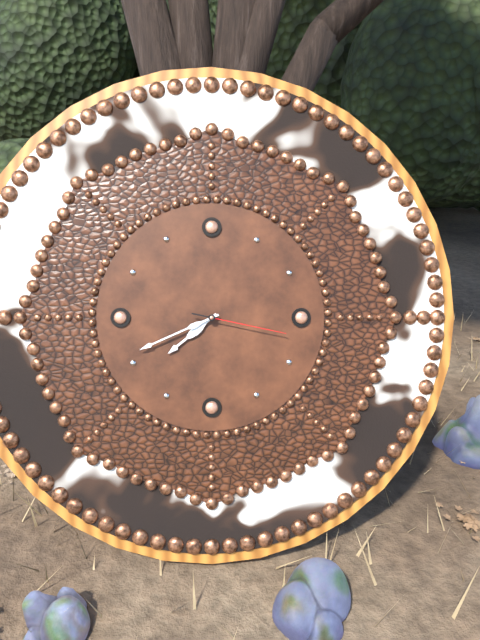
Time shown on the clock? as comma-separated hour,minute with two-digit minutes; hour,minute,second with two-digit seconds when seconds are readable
7,41,17
